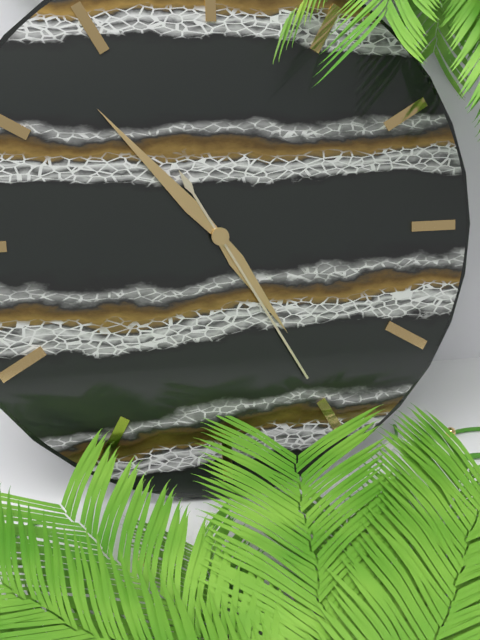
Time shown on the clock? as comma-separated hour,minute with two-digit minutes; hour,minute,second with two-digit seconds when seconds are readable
4,53,25
